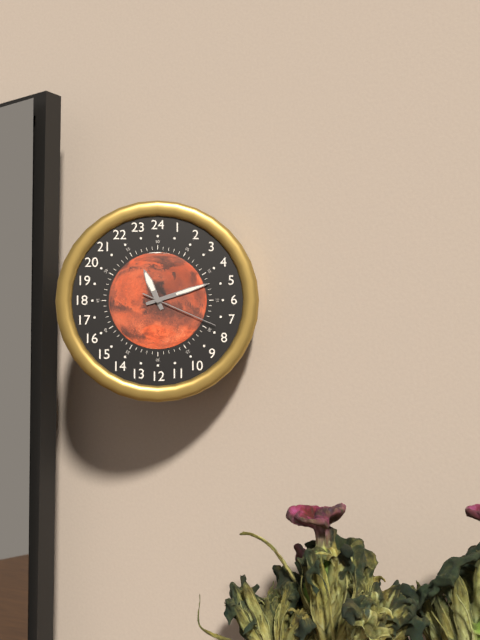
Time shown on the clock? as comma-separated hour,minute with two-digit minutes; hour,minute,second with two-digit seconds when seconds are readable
11,12,19
